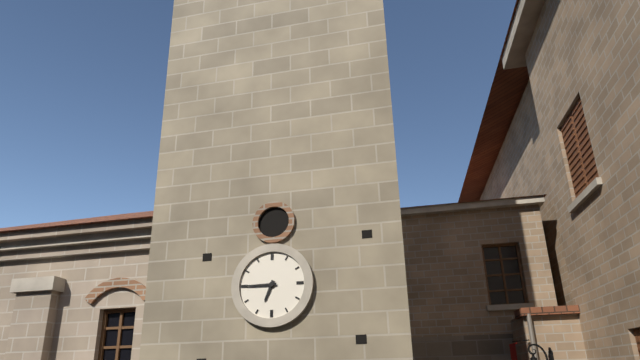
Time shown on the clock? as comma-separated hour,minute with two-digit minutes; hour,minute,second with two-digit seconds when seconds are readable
6,45
